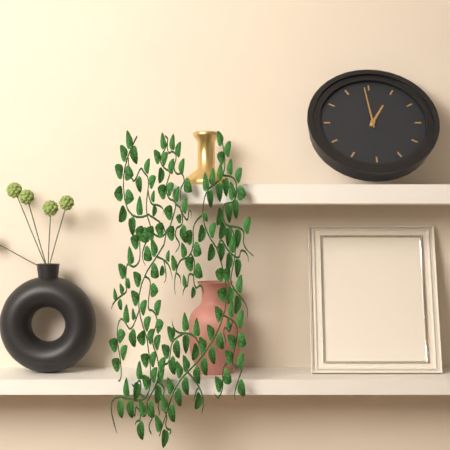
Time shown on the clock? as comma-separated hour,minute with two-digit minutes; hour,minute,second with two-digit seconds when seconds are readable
12,59
